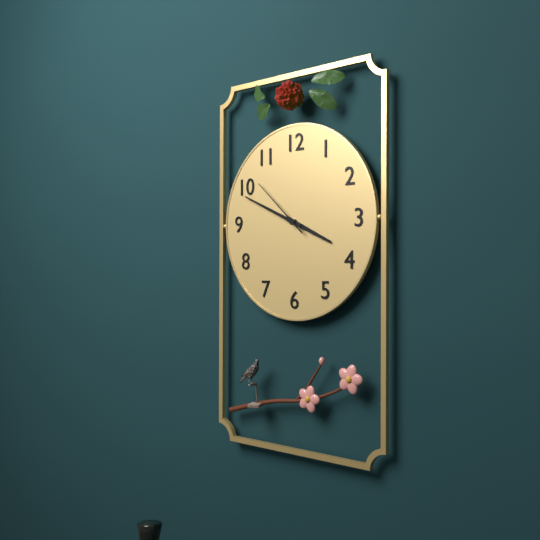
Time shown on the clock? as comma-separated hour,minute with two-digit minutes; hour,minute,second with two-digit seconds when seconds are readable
3,49,52
